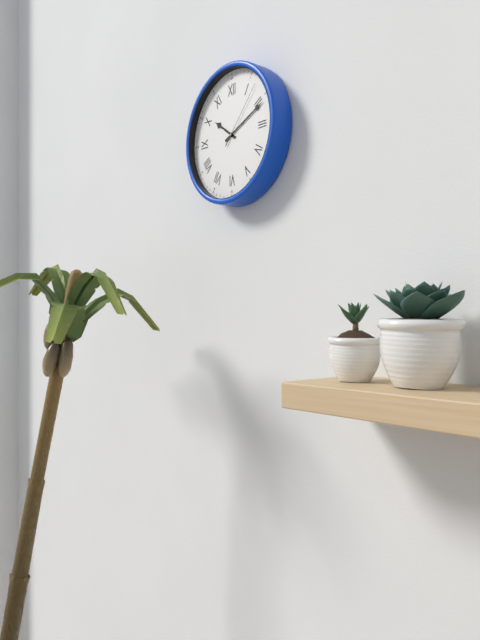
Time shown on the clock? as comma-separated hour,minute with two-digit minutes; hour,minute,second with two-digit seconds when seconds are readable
10,11,07
